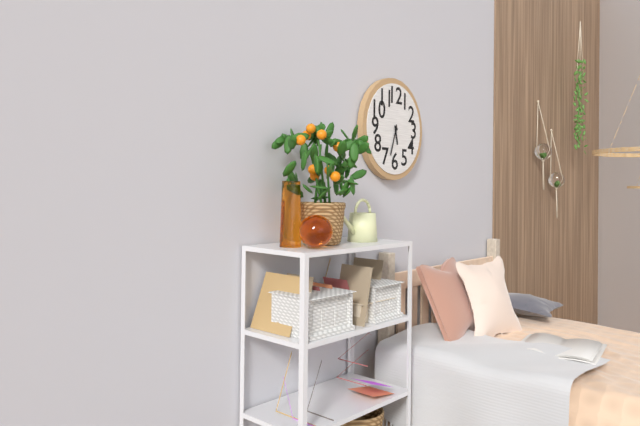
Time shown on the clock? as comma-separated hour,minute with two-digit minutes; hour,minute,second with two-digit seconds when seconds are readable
5,33
